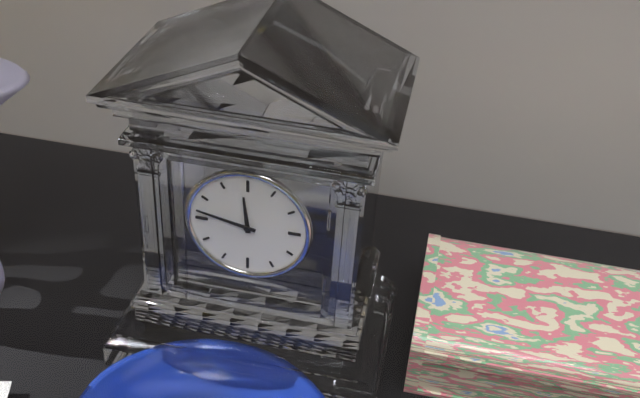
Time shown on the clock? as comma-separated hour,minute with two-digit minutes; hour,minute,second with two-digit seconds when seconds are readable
11,47
